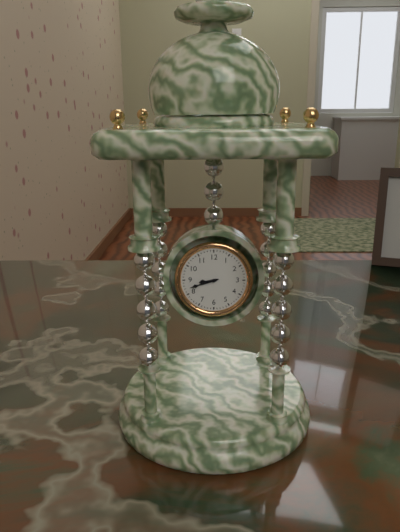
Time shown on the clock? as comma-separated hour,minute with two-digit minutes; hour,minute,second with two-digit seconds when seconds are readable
8,42
